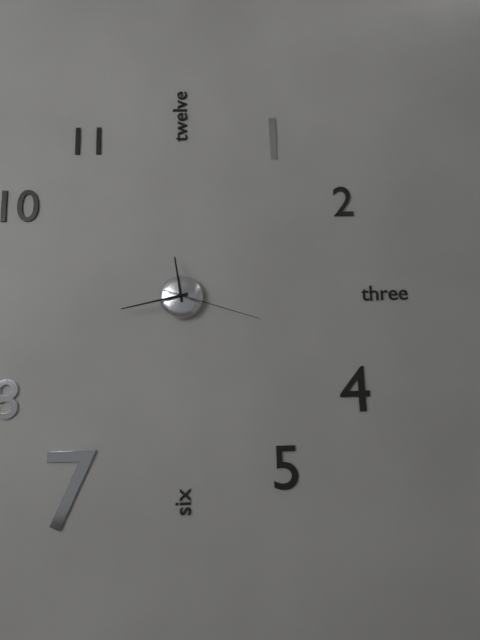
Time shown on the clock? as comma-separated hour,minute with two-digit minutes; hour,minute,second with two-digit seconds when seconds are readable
11,43,18
